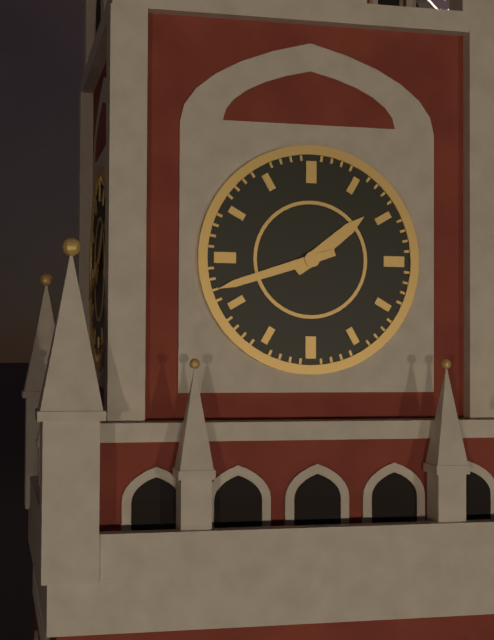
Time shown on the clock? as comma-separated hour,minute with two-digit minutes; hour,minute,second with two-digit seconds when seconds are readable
1,42
